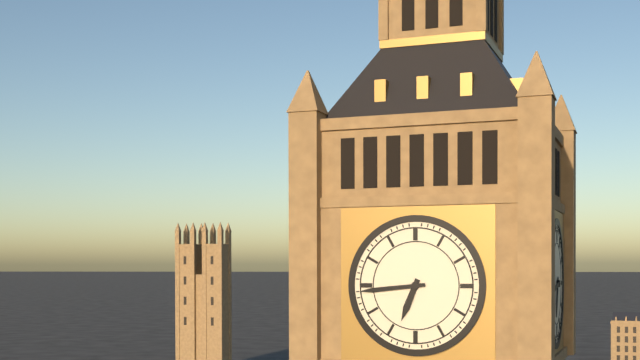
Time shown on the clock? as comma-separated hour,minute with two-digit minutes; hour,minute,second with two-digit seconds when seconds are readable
6,44
